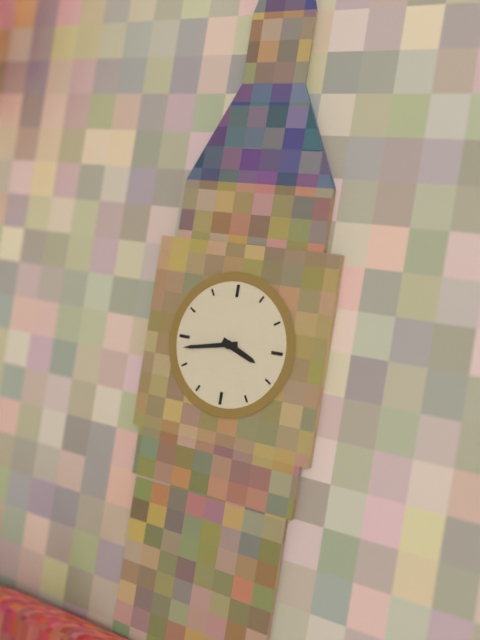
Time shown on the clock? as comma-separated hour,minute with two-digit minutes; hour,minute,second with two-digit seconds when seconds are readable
3,43
